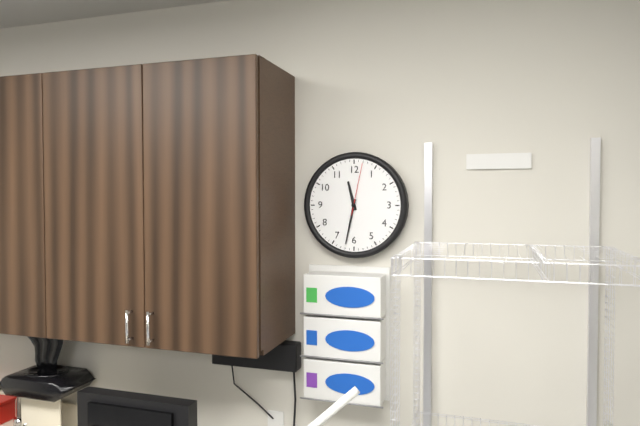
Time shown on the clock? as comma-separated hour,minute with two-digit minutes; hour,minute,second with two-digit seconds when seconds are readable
11,32,02
